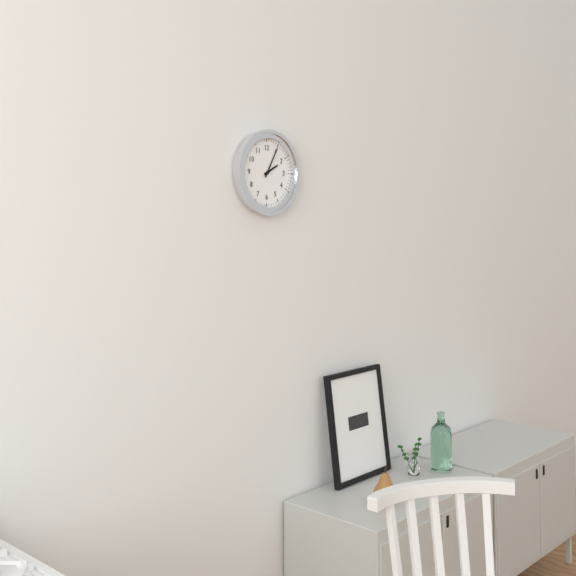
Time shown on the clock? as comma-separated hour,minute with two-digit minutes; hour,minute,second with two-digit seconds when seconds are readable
2,05
